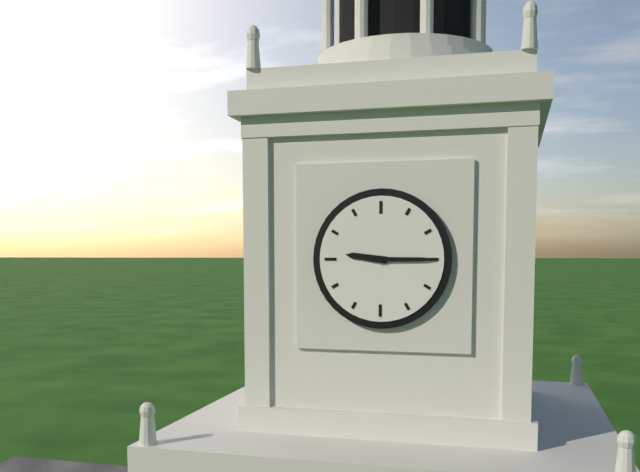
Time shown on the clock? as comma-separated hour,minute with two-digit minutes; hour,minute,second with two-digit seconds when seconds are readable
9,15
